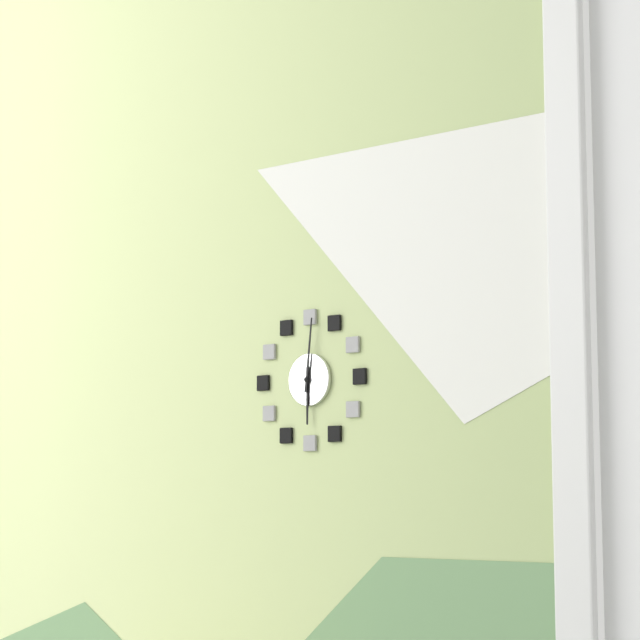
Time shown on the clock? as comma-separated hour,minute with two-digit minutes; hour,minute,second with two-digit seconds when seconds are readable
6,01
